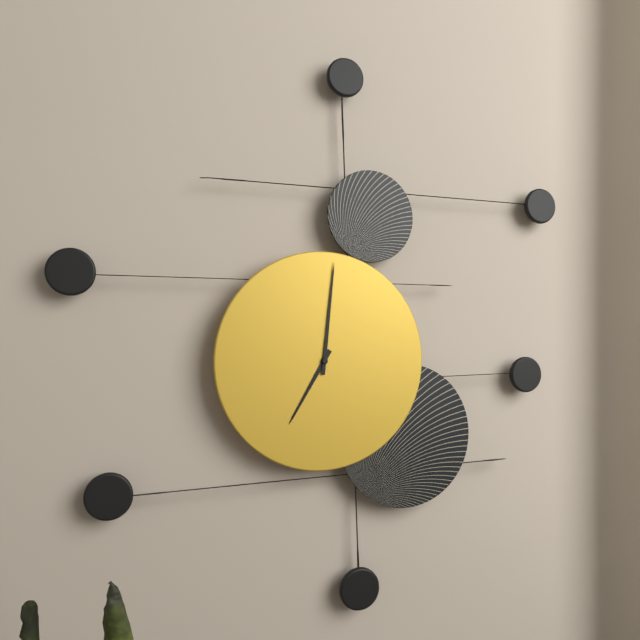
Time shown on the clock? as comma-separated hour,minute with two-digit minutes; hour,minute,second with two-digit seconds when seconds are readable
7,01
